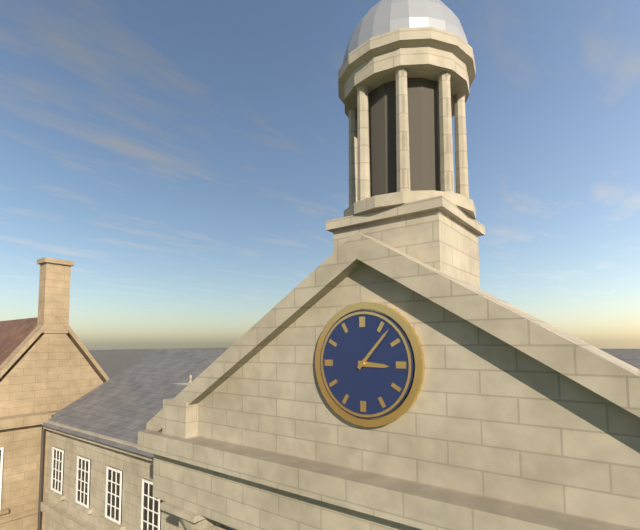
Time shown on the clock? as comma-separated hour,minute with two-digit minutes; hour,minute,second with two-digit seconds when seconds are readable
3,07
